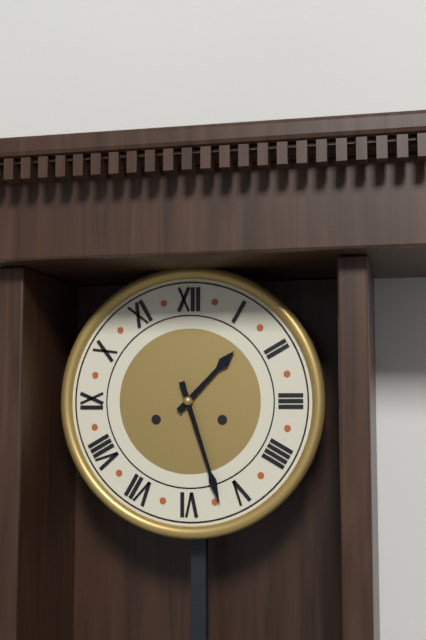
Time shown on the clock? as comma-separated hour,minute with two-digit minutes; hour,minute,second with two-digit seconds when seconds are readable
1,27
